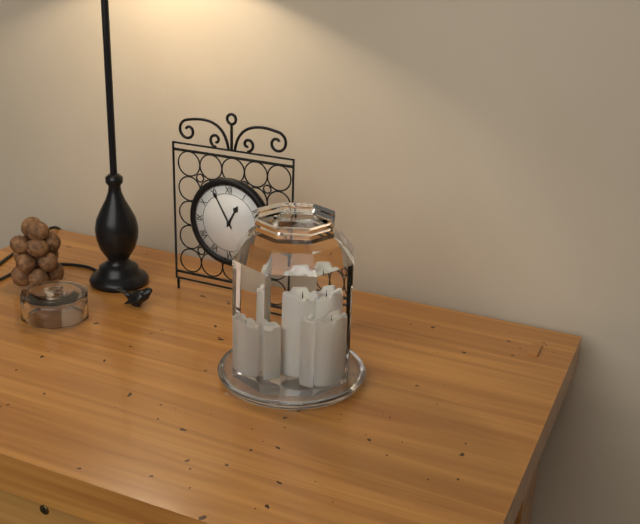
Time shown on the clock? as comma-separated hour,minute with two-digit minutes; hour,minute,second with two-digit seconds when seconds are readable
12,55
